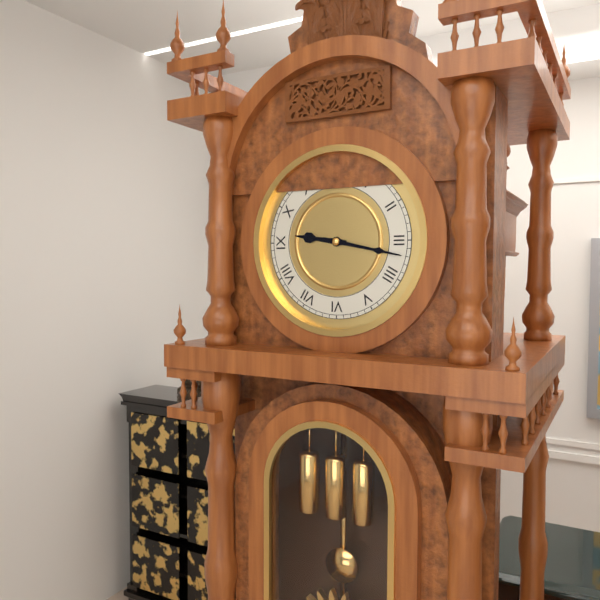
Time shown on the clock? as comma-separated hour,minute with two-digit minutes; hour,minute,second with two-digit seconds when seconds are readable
9,17
